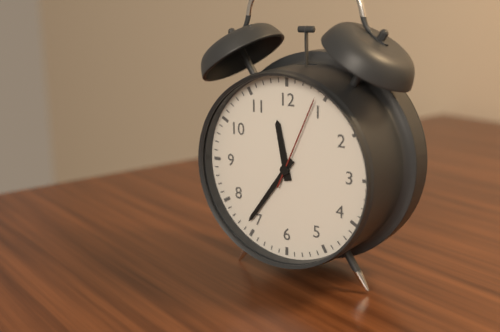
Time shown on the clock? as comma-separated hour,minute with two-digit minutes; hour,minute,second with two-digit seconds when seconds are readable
11,36,04
